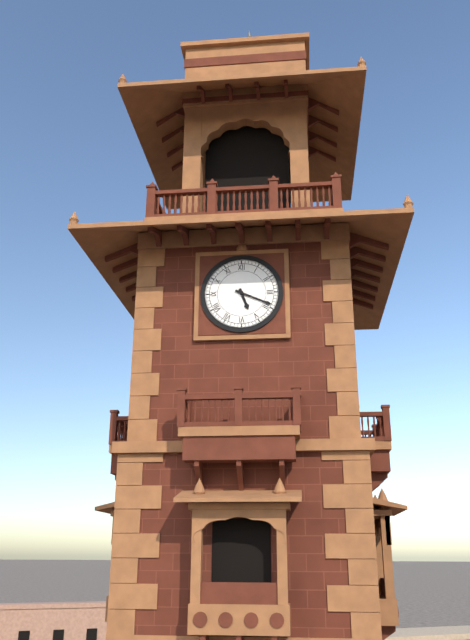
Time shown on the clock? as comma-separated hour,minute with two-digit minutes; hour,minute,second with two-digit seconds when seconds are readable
5,19
